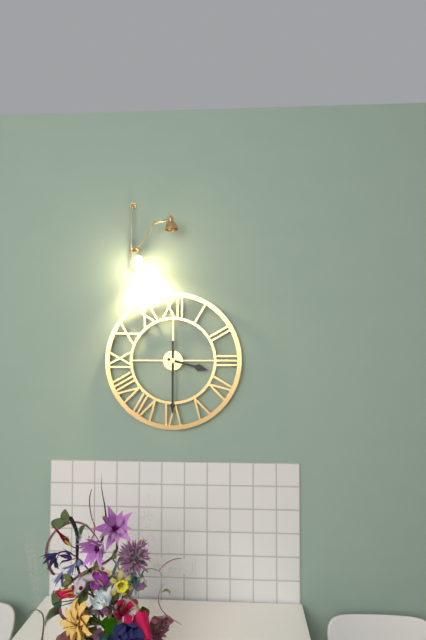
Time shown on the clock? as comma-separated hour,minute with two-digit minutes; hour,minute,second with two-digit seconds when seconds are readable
3,30
